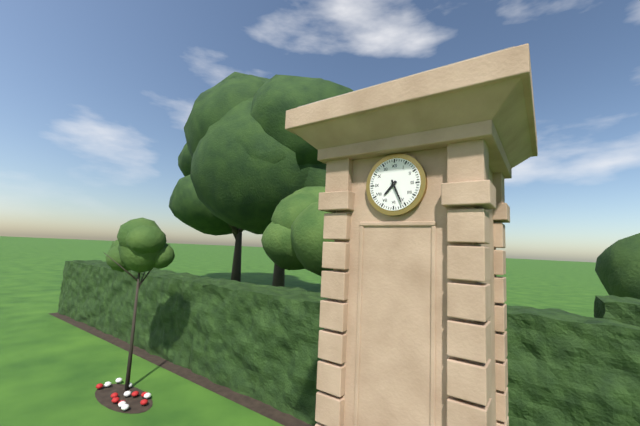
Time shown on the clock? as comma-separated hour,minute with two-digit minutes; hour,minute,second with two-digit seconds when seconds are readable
7,26
